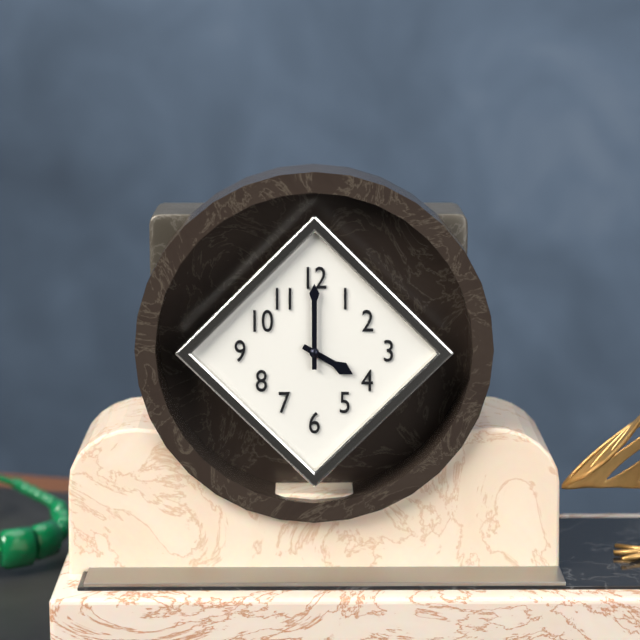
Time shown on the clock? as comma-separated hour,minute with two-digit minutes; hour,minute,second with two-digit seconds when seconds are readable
4,00
